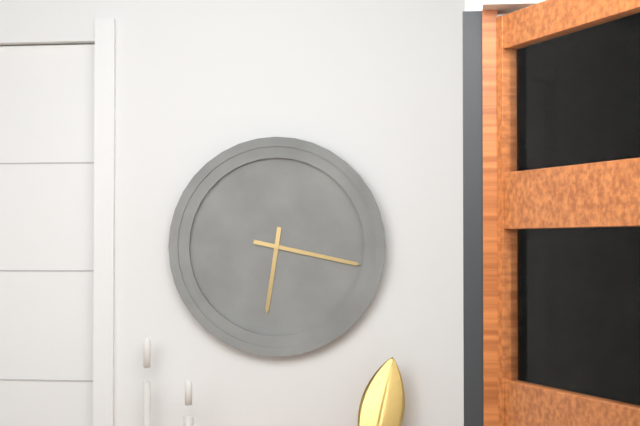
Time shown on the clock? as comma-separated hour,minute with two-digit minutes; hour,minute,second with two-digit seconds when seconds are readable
6,17
